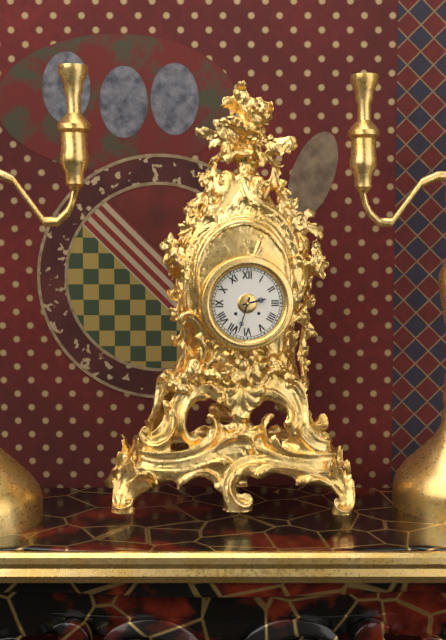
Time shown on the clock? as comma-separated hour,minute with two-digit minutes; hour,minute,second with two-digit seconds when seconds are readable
2,33
